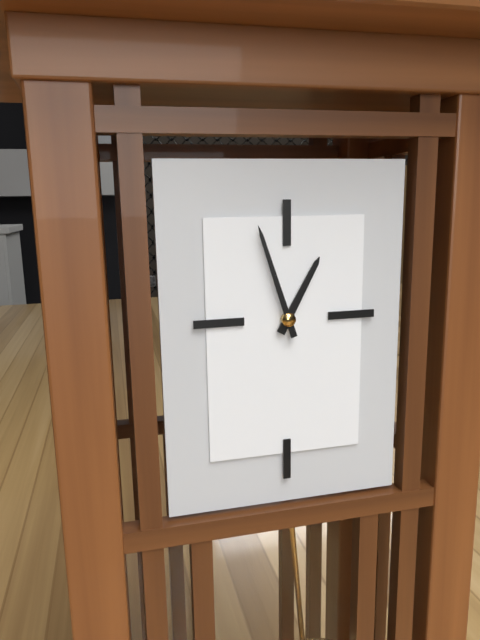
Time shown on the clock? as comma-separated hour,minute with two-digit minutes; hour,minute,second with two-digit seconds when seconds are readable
12,57
